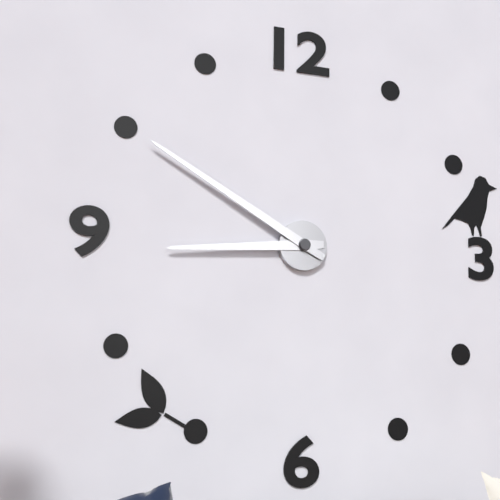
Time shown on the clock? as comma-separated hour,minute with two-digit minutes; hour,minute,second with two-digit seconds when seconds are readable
8,50
